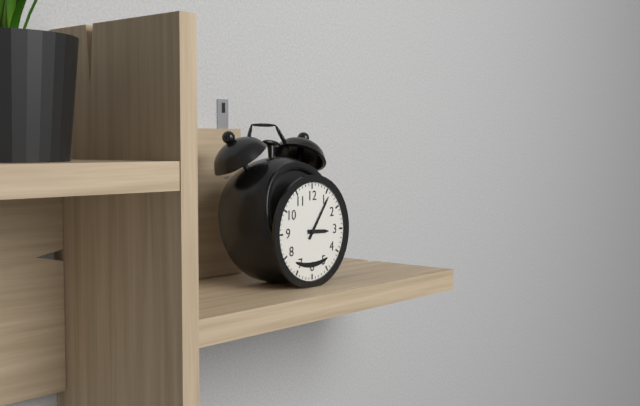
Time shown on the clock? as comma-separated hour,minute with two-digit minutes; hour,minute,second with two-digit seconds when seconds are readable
3,06
